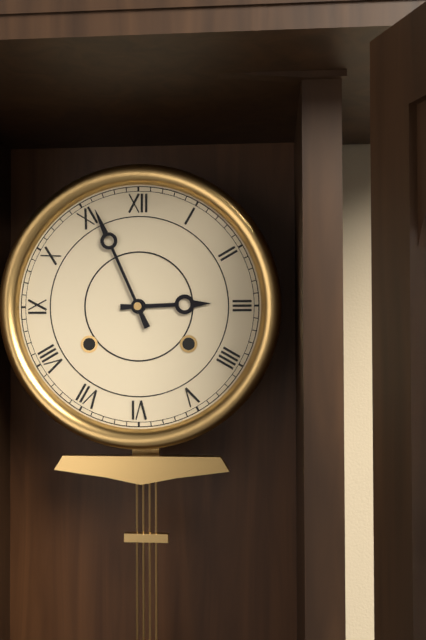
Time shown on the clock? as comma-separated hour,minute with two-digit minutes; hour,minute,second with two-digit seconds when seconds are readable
2,56
